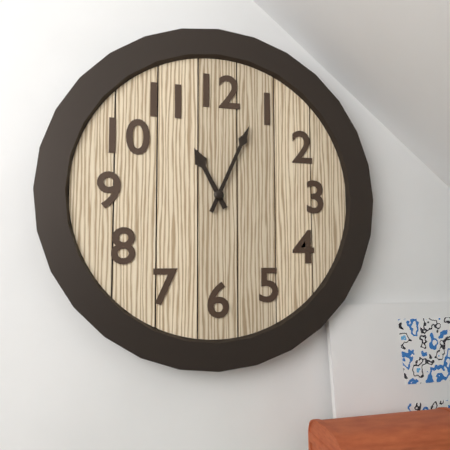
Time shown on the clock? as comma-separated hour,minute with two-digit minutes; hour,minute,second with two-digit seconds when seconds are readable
11,04
